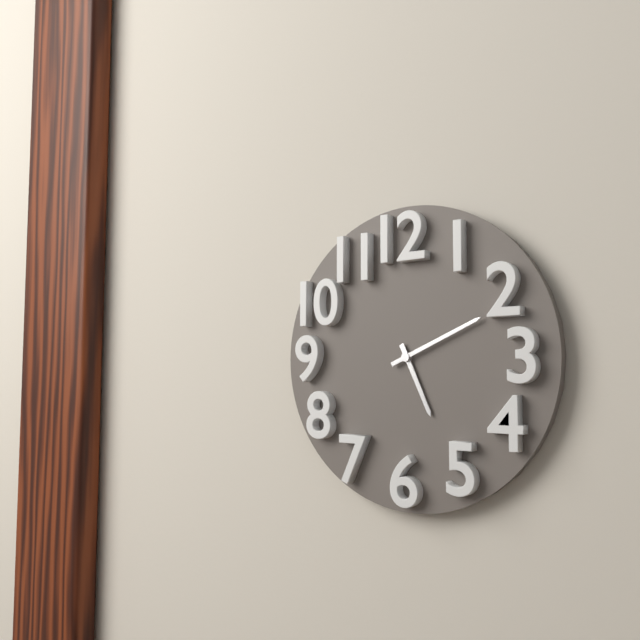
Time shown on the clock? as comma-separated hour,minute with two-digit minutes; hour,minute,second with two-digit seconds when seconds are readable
5,11
